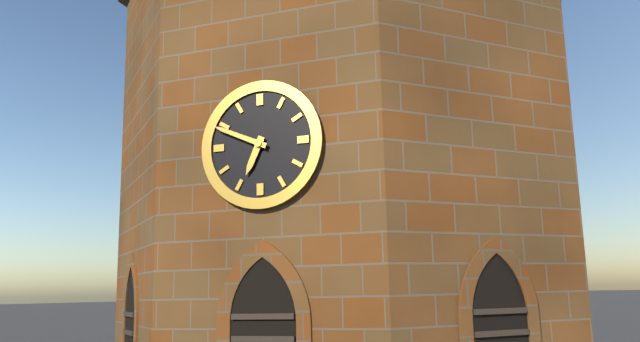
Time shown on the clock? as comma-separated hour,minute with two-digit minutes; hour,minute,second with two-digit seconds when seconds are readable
6,49
